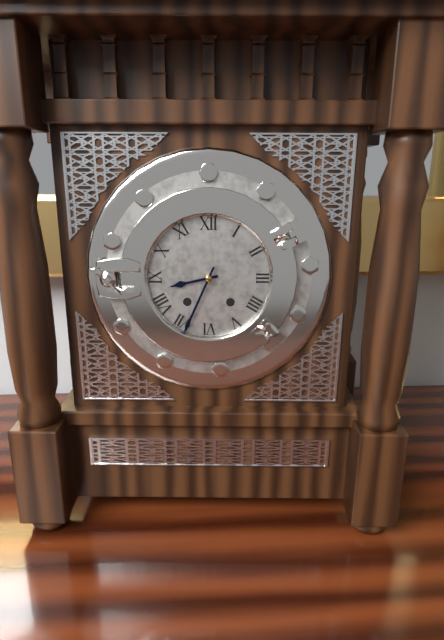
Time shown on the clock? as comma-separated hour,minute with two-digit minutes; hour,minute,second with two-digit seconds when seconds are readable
8,34
